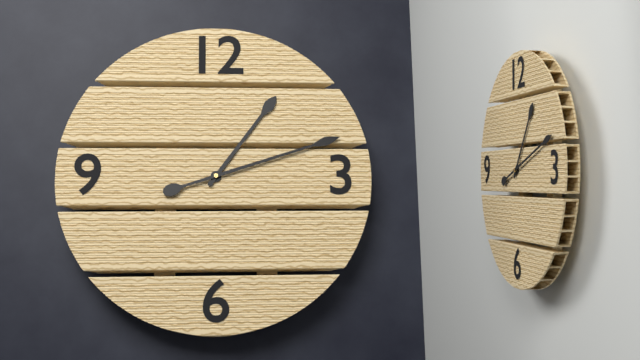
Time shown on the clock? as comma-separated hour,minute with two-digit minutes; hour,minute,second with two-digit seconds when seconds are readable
1,12
